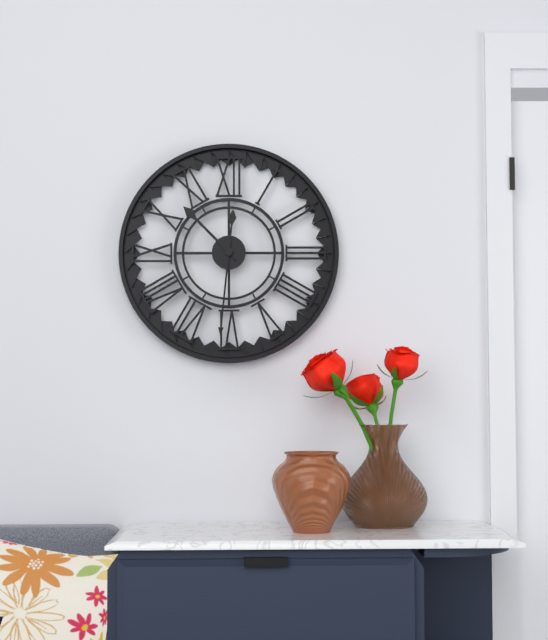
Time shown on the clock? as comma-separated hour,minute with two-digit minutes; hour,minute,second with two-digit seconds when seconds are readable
10,31
